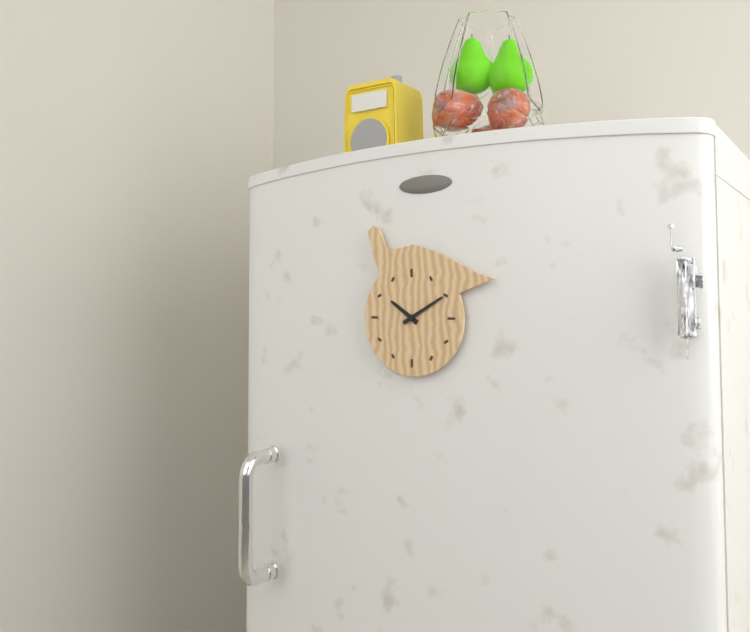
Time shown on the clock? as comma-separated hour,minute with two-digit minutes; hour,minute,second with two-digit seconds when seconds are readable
10,10
